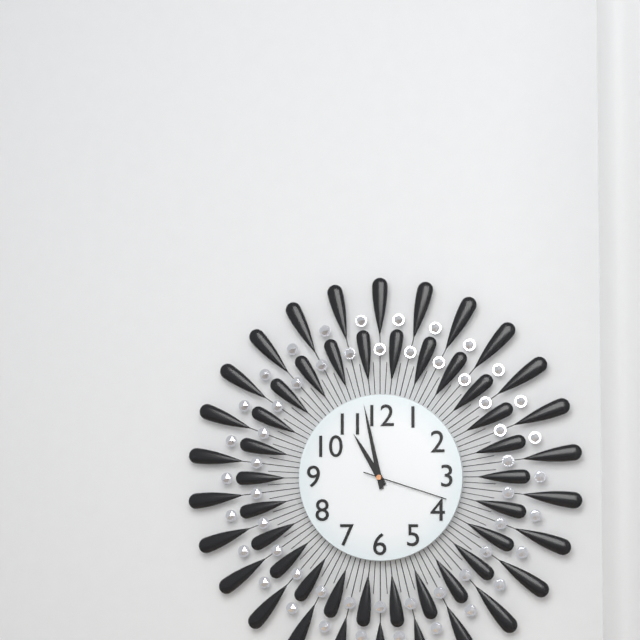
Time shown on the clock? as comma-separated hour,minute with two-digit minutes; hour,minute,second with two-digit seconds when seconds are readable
10,58,18
